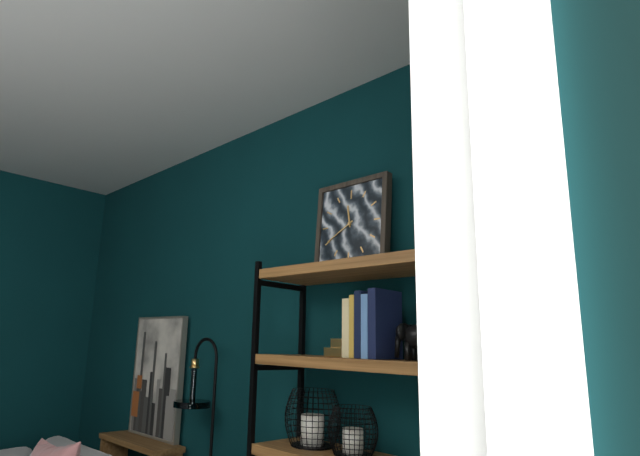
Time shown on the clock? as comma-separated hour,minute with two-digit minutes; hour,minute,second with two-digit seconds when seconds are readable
11,40
